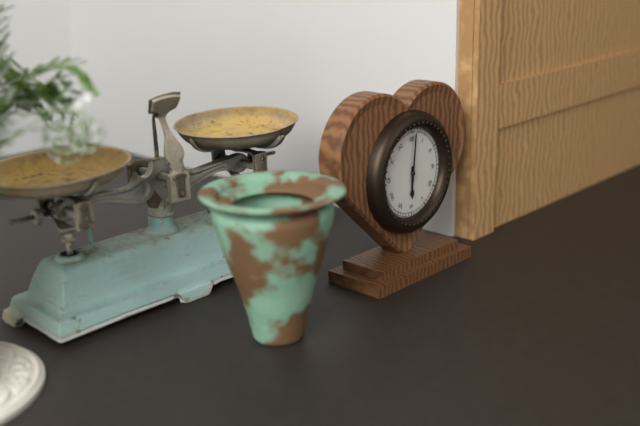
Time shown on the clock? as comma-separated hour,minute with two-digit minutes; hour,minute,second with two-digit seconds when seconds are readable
6,01
